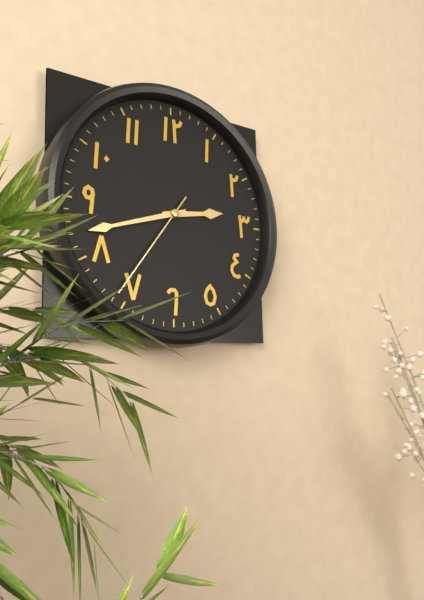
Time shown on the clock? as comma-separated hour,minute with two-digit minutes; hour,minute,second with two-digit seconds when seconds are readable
2,42,36
